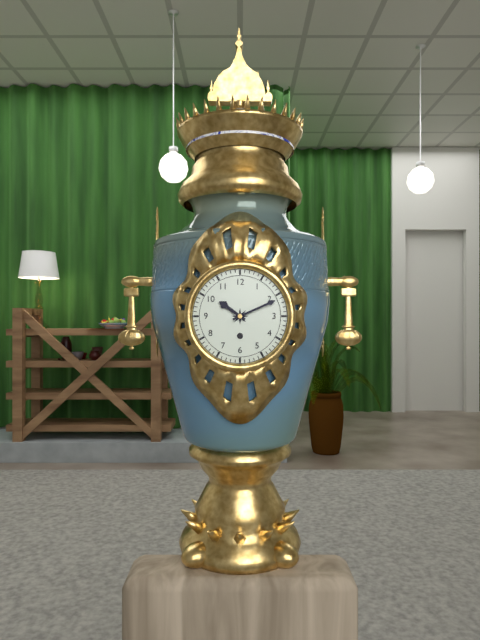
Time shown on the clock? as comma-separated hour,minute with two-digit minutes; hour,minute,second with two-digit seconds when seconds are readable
10,11
